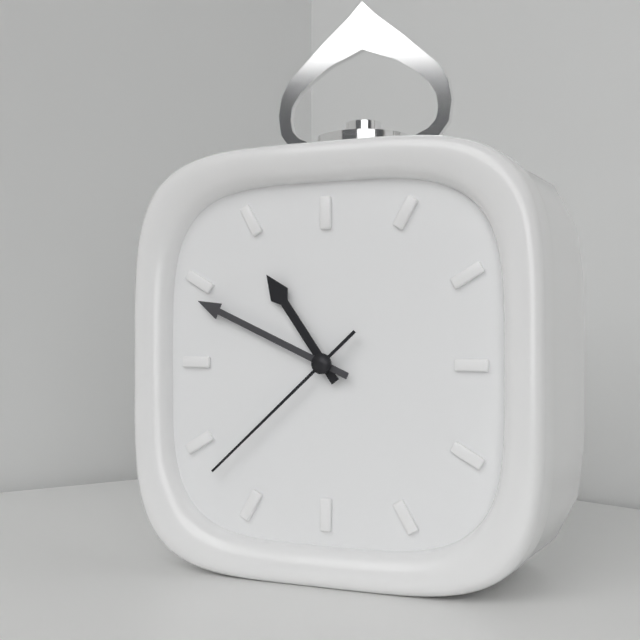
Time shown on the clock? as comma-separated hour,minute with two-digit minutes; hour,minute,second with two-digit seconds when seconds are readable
10,49,38
